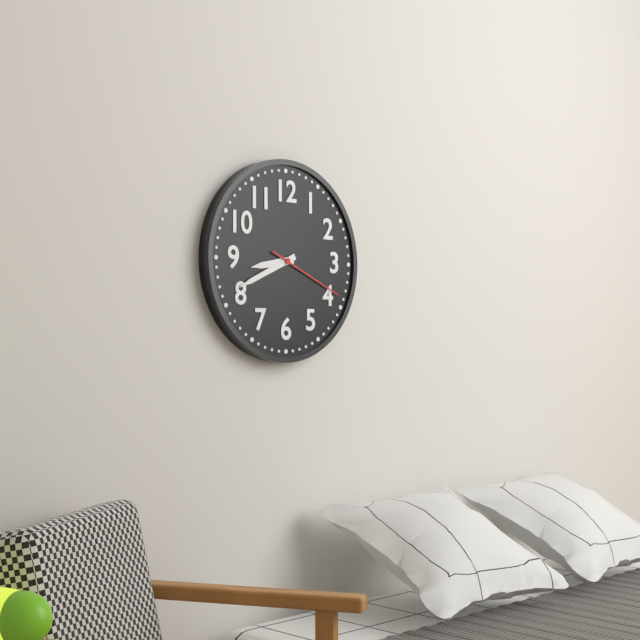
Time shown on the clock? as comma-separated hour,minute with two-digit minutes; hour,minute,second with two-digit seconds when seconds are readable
8,41,19
